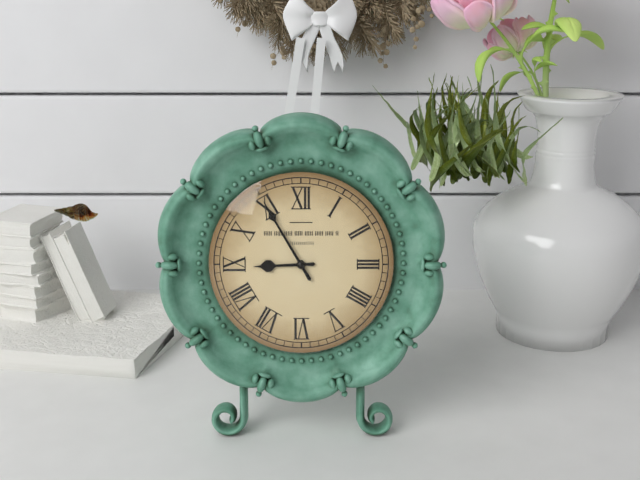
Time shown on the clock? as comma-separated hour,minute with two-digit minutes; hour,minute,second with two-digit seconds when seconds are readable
8,55
